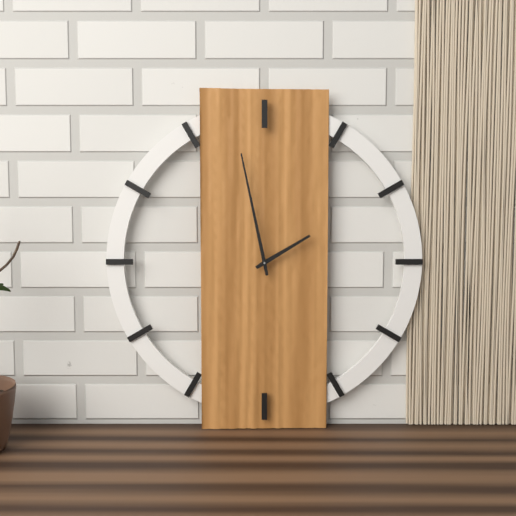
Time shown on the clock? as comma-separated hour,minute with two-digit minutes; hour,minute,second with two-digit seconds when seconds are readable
1,58
